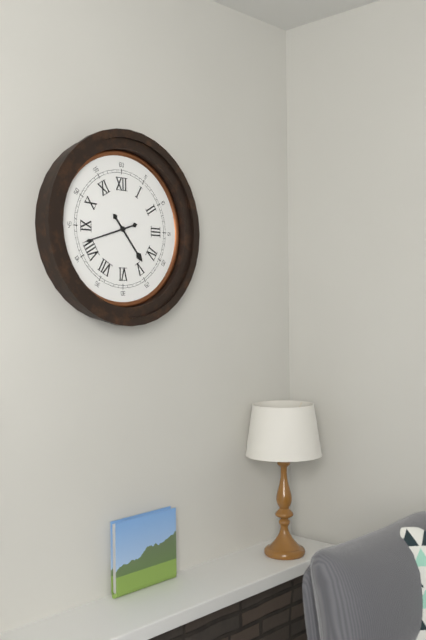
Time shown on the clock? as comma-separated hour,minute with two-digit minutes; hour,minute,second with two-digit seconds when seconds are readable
4,42
